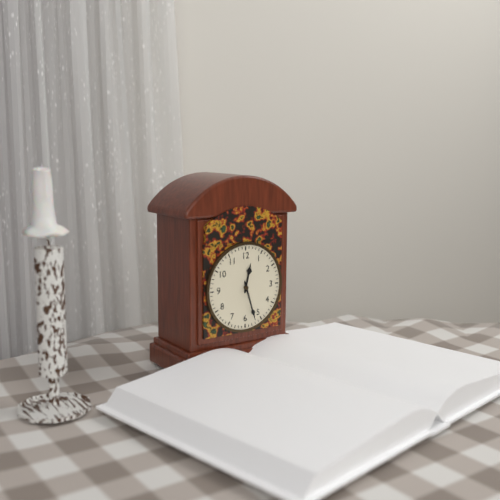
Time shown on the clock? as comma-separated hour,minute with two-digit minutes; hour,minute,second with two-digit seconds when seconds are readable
12,27
